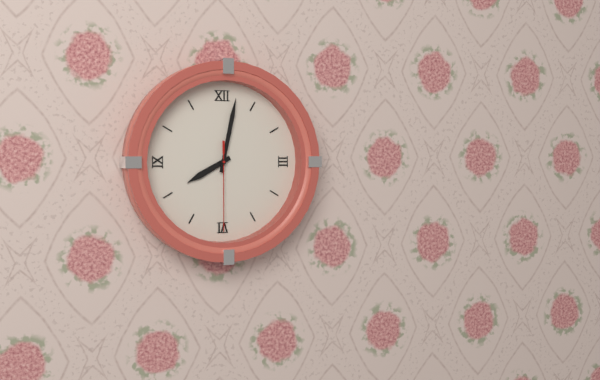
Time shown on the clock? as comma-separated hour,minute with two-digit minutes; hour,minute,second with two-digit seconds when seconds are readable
8,02,30
